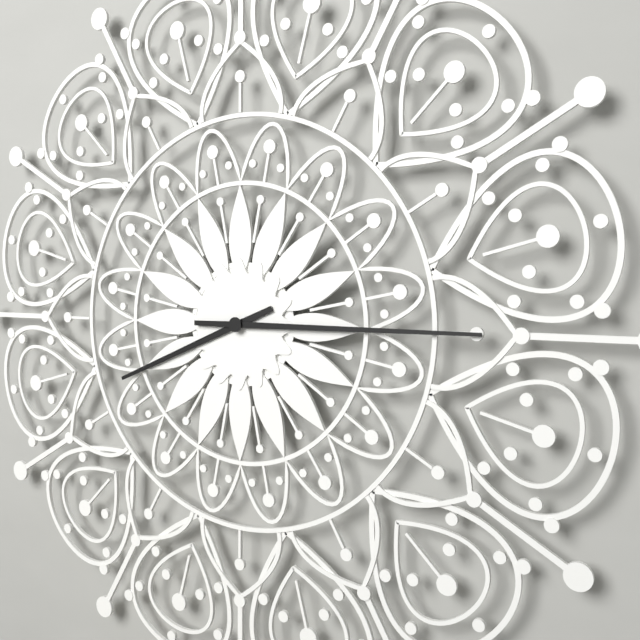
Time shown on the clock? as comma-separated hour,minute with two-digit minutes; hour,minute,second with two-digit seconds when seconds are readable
8,15
